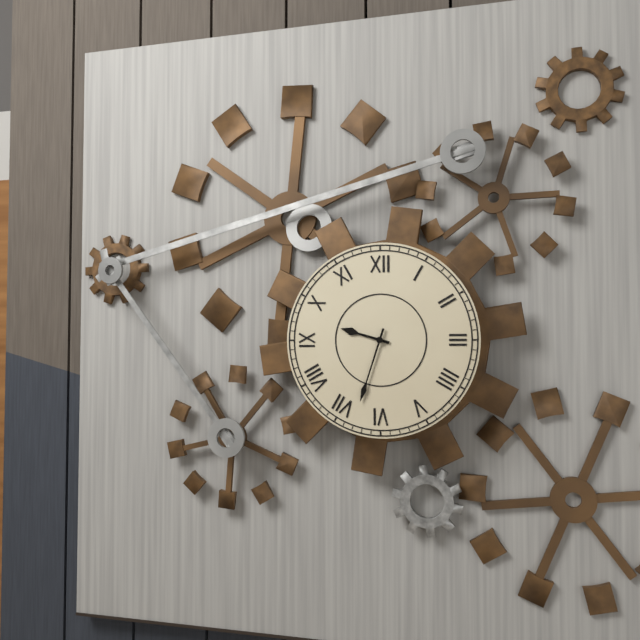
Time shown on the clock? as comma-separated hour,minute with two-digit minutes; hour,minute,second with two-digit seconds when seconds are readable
9,33
